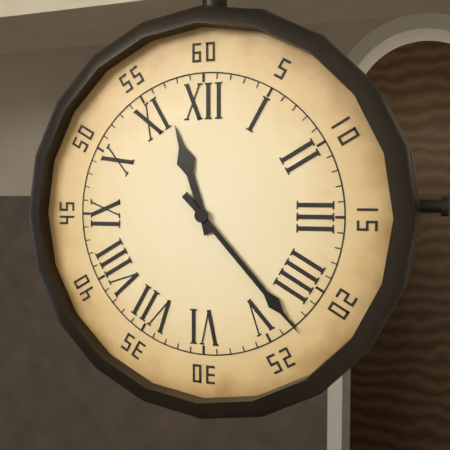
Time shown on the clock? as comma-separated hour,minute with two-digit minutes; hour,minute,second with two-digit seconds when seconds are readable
11,23
